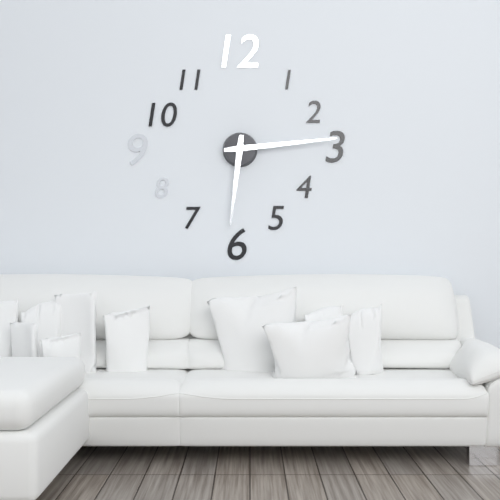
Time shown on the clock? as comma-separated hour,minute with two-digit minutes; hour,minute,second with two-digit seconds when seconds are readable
6,14
